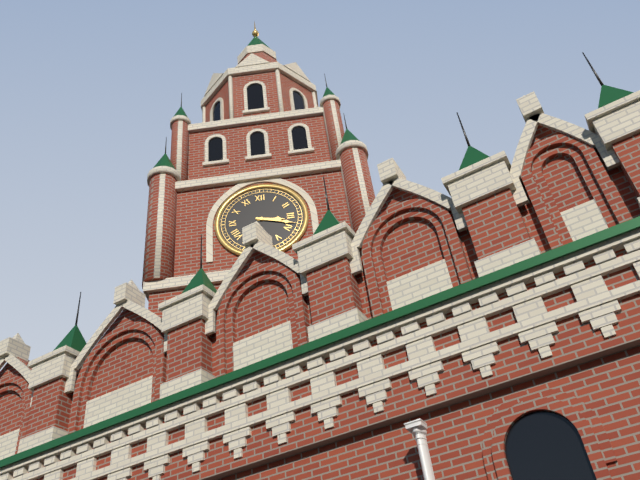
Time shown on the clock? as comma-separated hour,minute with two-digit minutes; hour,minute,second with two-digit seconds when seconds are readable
3,18
